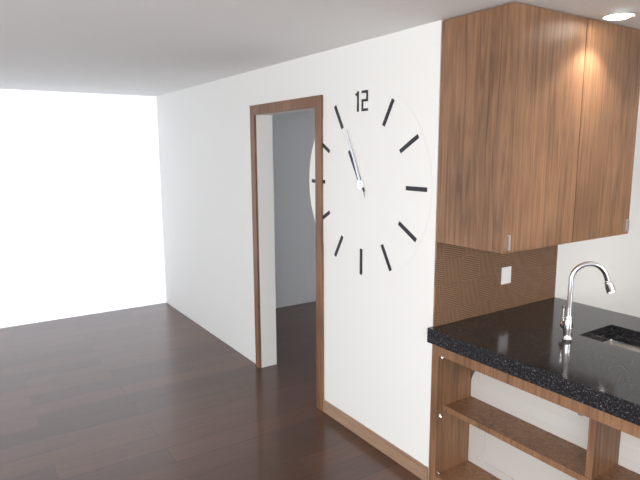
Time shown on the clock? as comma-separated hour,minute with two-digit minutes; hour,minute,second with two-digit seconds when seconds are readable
10,56
